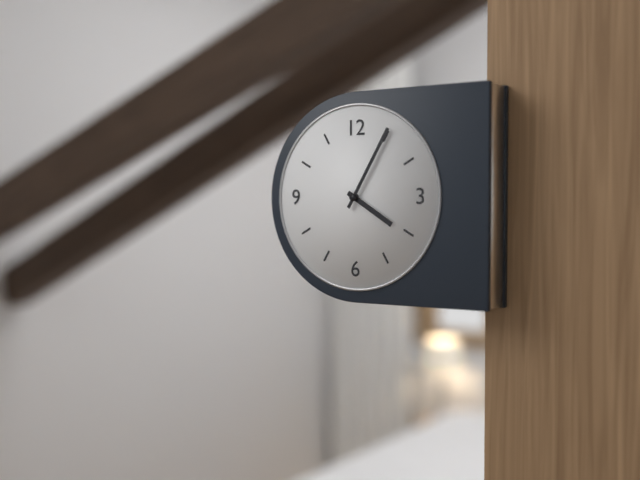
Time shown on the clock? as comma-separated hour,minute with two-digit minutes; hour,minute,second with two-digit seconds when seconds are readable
4,05
